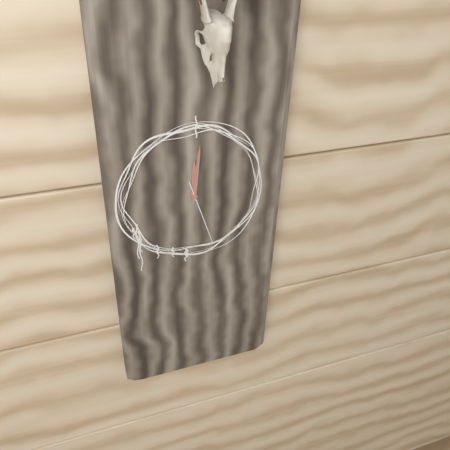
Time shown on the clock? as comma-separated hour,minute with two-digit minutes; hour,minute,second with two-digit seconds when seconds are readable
12,01,27
